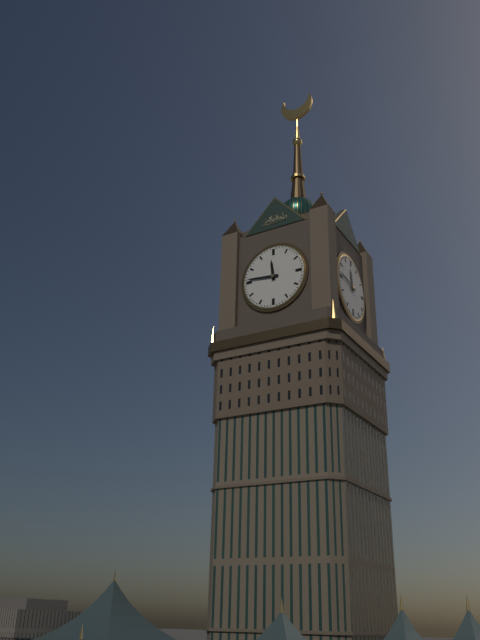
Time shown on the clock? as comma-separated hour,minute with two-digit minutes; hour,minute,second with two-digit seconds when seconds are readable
11,46
